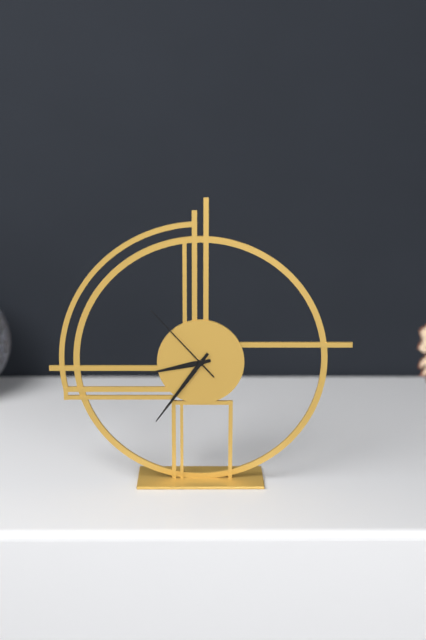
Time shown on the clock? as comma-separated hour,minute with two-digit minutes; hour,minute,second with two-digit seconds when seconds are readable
8,36,53
